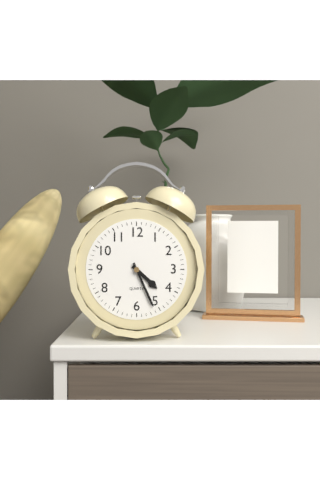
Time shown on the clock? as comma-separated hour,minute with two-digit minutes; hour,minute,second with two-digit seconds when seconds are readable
4,26
